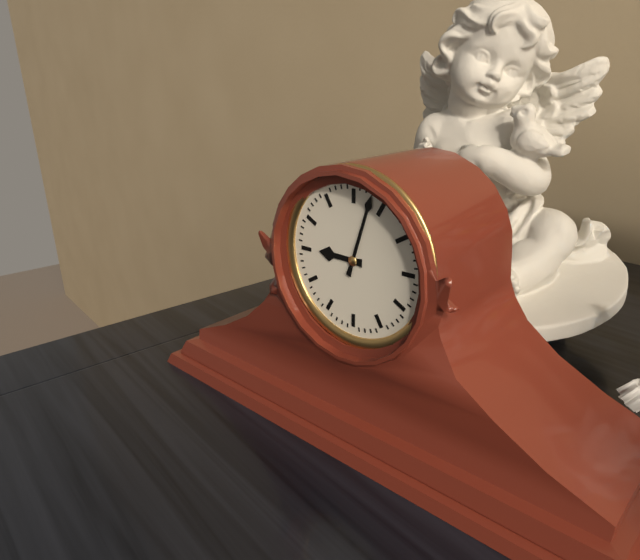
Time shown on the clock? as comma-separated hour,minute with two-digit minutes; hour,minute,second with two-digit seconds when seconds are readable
9,03
